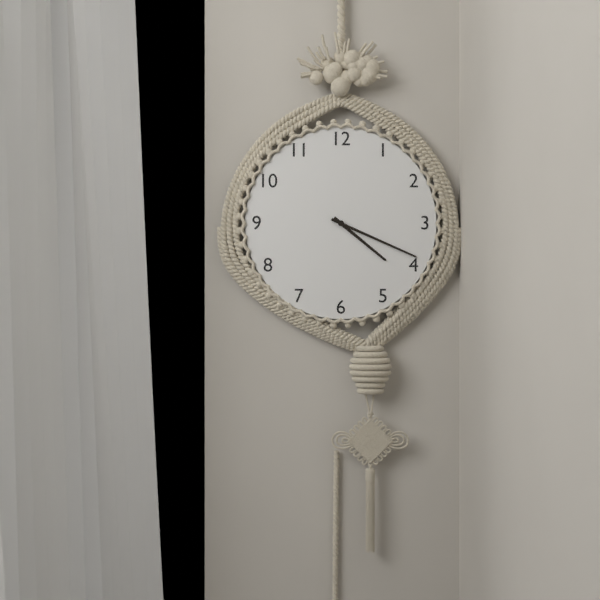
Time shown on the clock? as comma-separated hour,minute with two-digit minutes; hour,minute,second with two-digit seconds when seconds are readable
4,19
